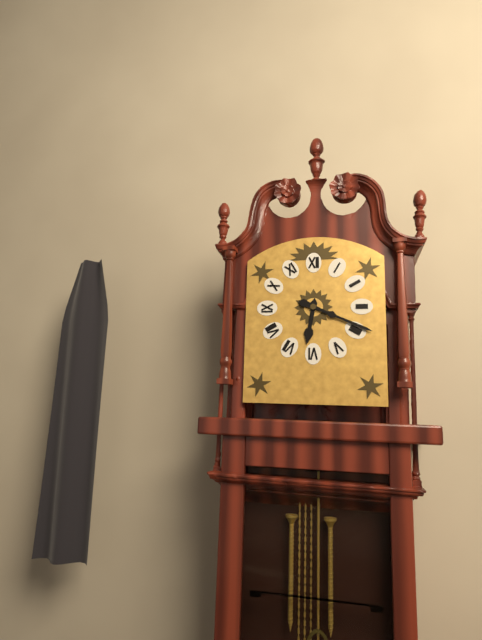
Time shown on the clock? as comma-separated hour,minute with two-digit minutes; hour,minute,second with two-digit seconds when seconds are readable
6,19
